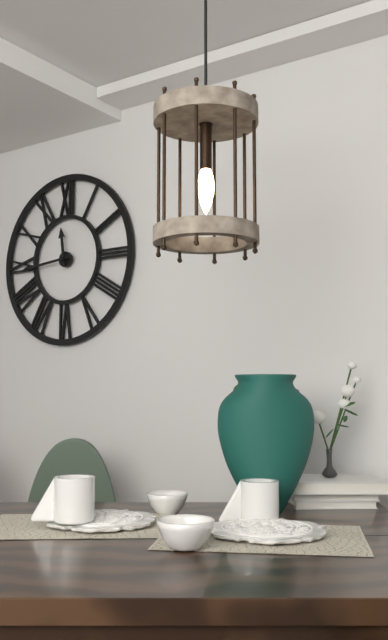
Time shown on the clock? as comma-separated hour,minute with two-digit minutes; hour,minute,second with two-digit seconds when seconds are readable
11,44
